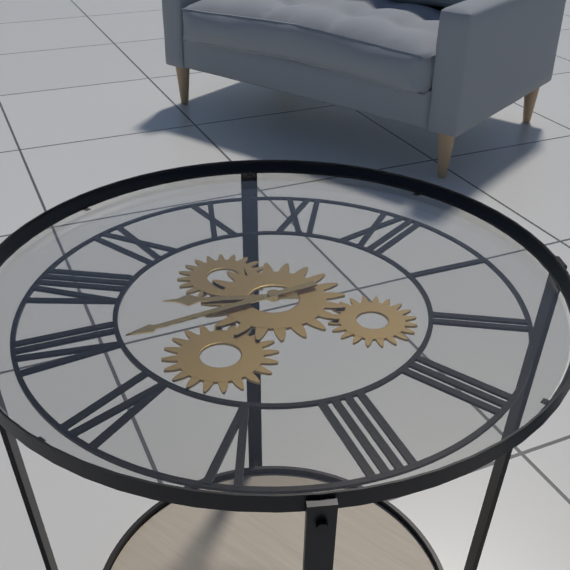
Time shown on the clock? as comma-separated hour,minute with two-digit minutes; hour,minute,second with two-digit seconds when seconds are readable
7,34
